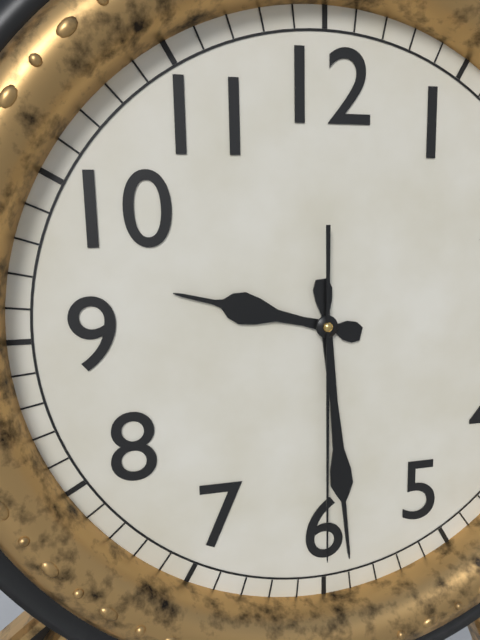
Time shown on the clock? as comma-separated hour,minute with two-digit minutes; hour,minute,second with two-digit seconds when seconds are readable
9,29,30
